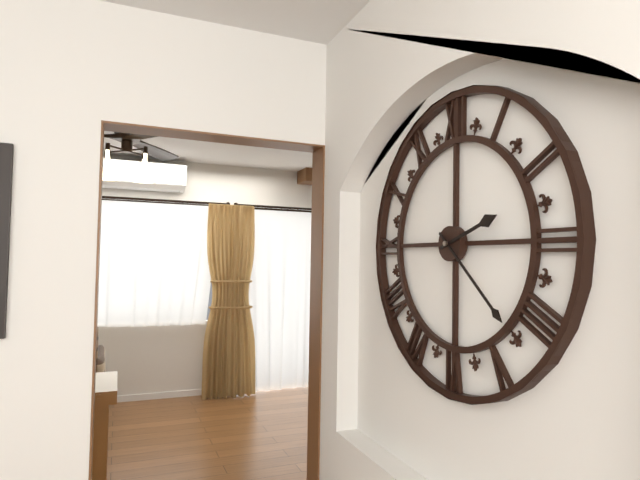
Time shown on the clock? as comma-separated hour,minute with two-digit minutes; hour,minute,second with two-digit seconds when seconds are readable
2,22
